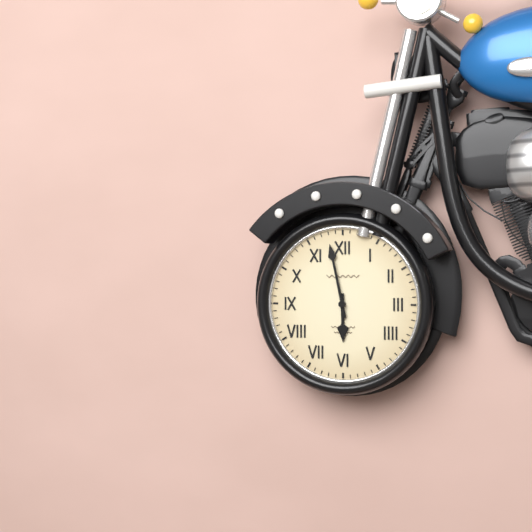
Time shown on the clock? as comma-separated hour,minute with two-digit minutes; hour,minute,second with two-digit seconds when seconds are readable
5,58
